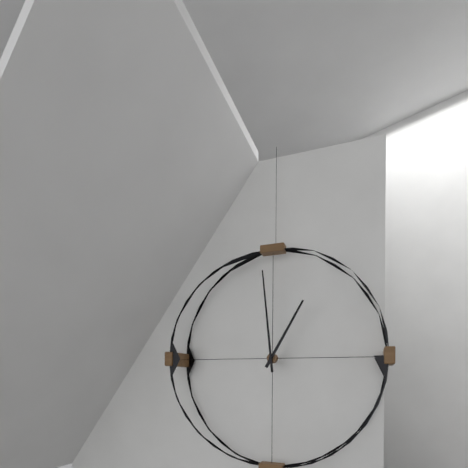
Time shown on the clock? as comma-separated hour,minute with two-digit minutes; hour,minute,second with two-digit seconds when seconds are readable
12,59
